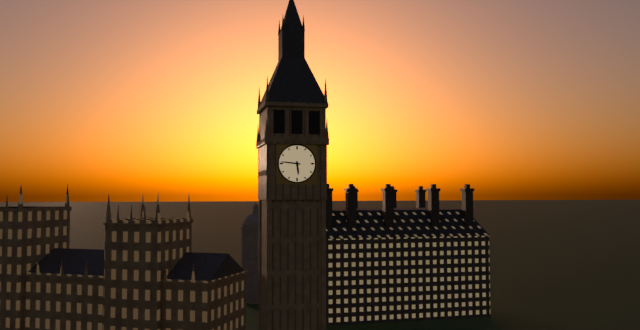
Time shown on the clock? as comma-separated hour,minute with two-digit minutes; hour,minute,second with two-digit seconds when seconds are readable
5,46
